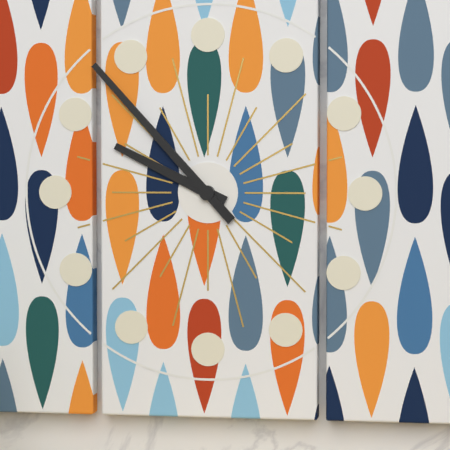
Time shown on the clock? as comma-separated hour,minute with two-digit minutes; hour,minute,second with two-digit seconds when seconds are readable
9,53
